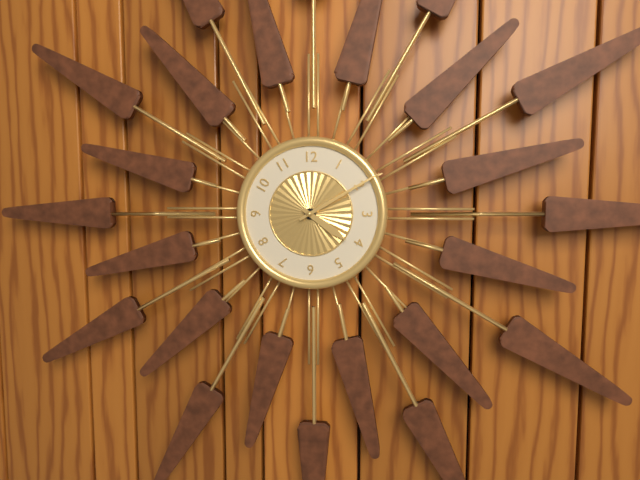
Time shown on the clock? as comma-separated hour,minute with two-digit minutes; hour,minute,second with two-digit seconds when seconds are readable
4,10
